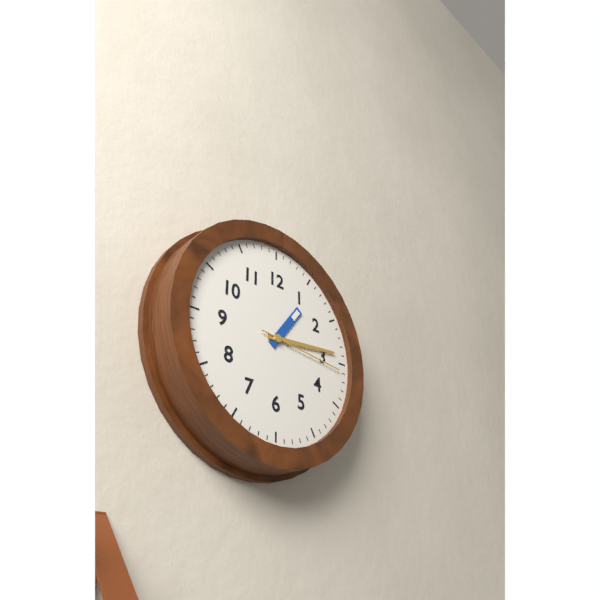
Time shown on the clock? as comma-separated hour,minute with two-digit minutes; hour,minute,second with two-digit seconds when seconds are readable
1,14,16
